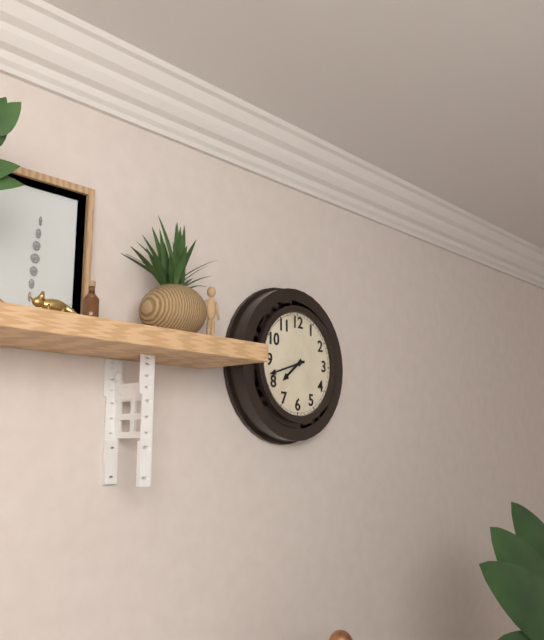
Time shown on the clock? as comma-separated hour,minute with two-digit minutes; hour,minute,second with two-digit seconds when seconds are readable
7,42
